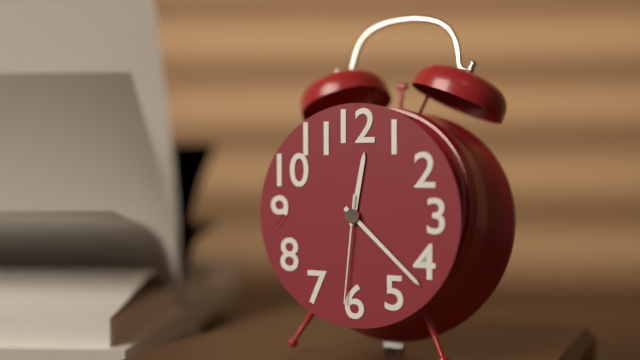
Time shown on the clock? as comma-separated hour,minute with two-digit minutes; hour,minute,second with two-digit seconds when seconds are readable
12,22,31
